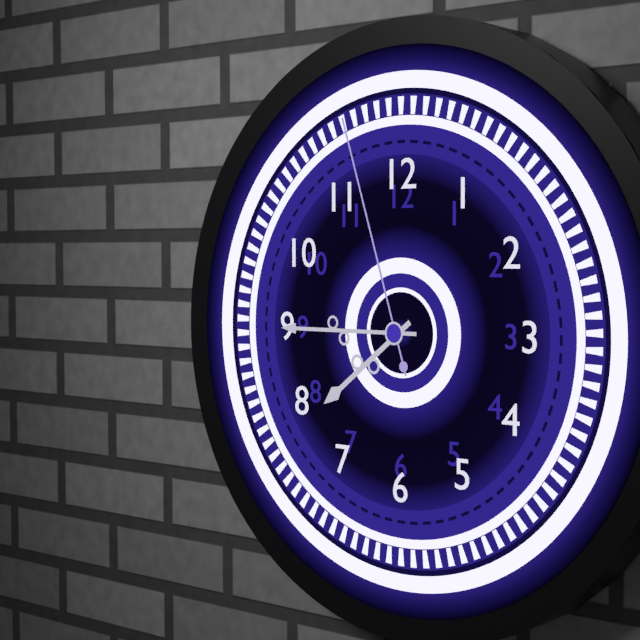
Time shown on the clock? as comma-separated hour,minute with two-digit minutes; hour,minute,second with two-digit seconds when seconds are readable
7,45,57
